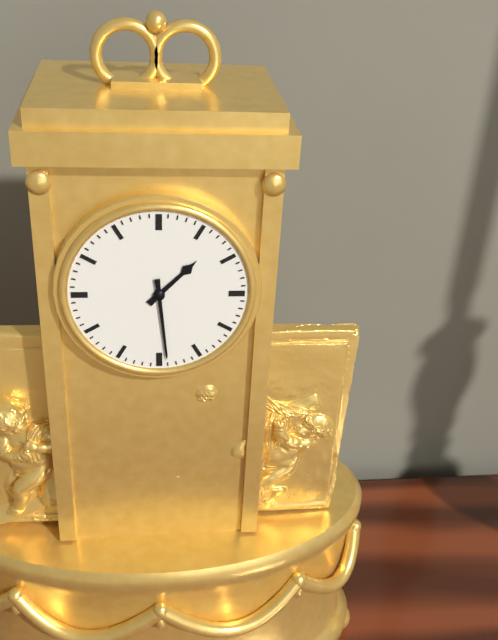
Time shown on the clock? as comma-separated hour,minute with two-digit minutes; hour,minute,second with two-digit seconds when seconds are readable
1,29
